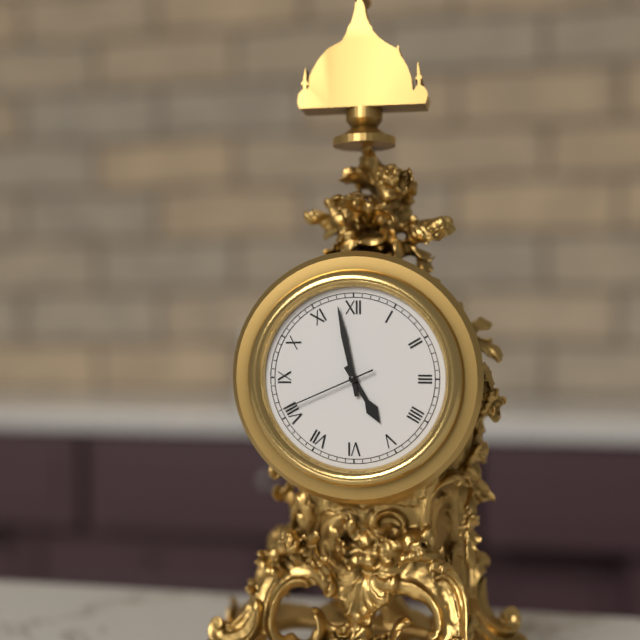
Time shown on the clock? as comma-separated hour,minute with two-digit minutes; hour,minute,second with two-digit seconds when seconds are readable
4,58,41
